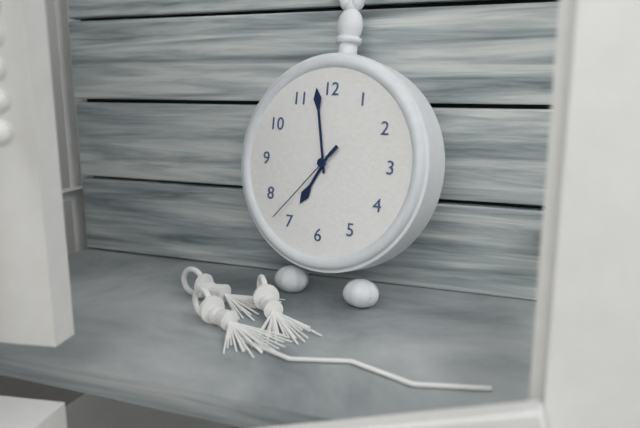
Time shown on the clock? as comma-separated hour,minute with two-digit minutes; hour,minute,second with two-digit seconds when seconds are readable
6,58,37
